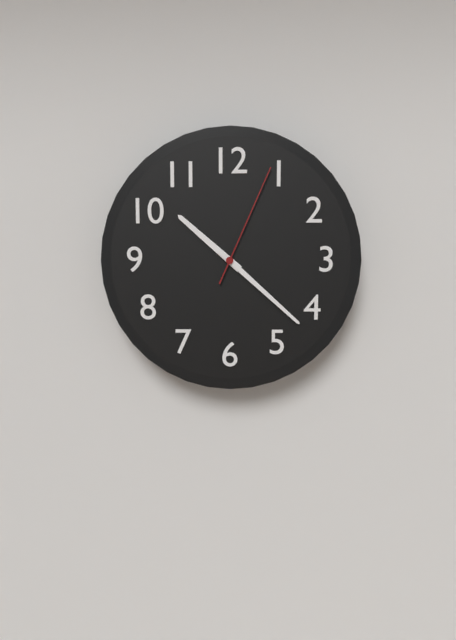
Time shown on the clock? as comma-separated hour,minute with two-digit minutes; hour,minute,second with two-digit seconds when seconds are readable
10,22,04
